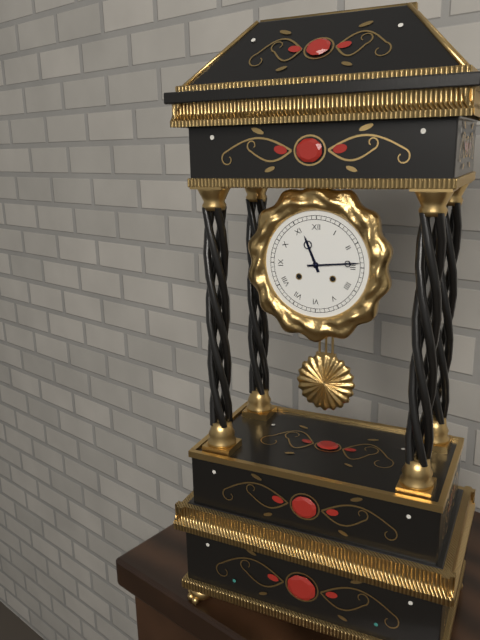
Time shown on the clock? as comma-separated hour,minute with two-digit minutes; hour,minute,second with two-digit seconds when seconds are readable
11,14
